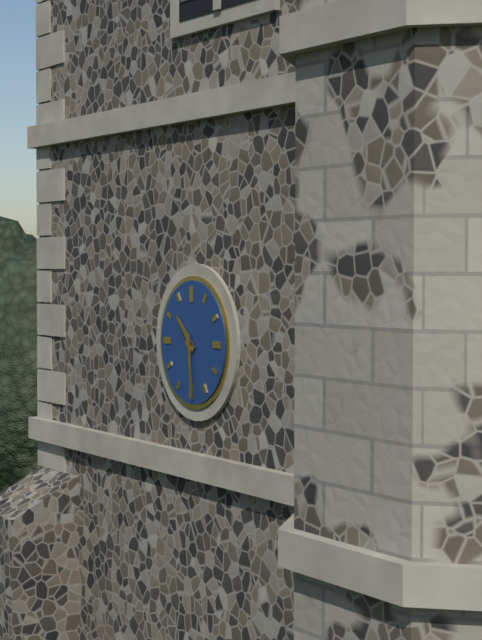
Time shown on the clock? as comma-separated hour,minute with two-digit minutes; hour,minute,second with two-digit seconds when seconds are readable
10,29
